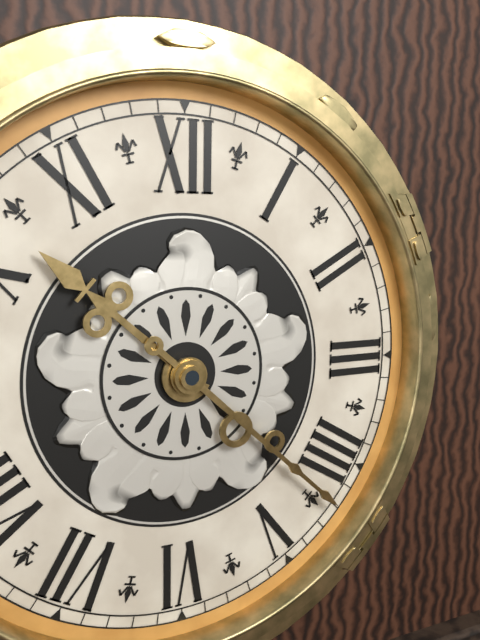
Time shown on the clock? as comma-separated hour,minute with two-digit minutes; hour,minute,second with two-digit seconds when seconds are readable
10,22
